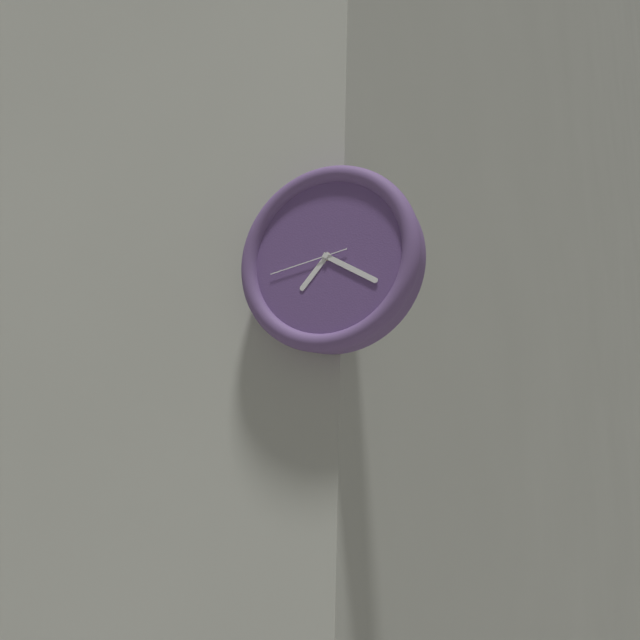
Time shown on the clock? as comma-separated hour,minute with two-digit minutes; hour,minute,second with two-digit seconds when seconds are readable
7,20,43
